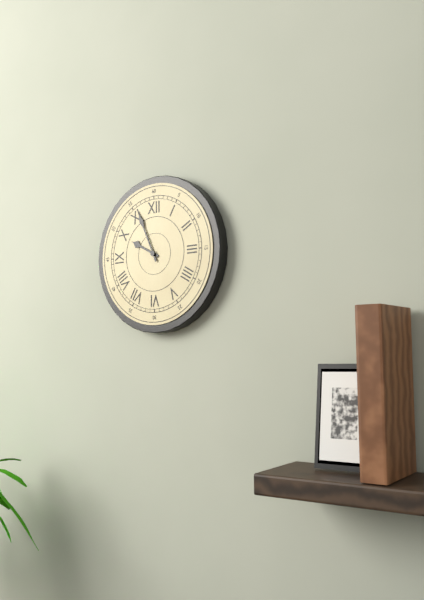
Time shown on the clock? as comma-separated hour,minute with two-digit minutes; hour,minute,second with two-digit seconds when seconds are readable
9,56
